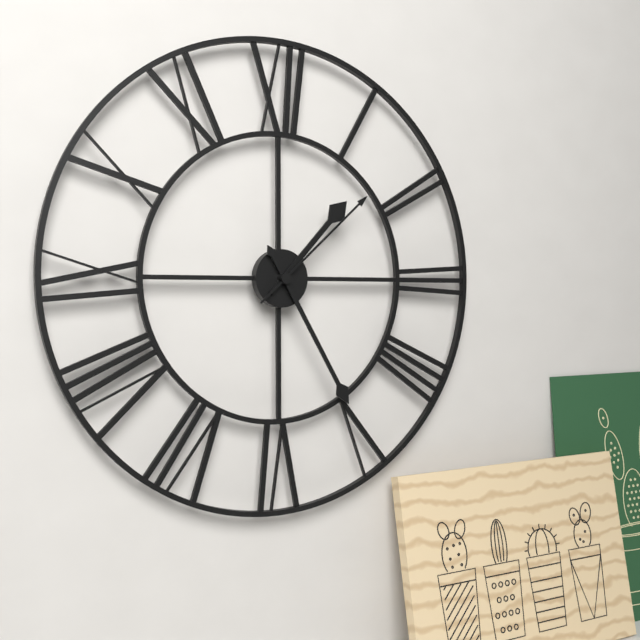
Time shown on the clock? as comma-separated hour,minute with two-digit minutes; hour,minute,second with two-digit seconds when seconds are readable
1,25,08
